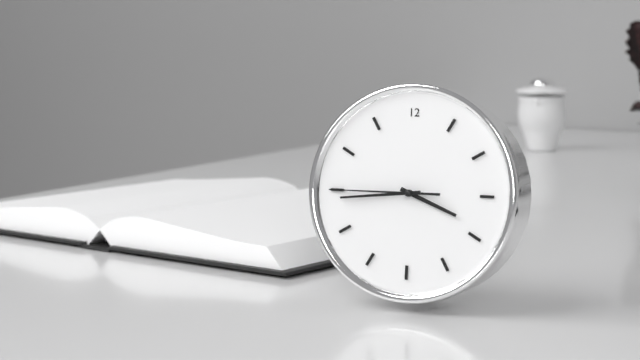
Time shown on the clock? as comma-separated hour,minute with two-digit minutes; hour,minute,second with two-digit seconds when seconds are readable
3,44,45
